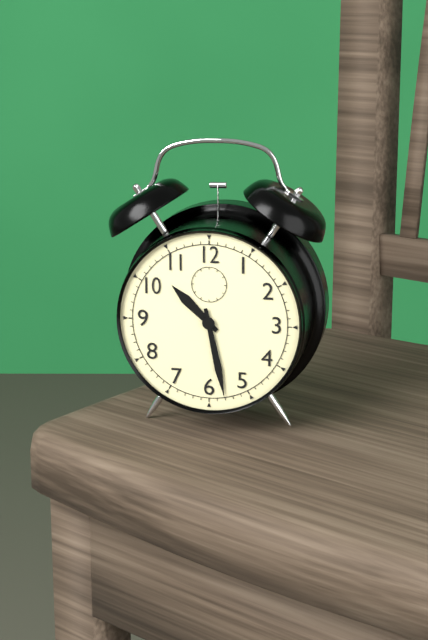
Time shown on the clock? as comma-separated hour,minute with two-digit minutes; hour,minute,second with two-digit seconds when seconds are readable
10,28
